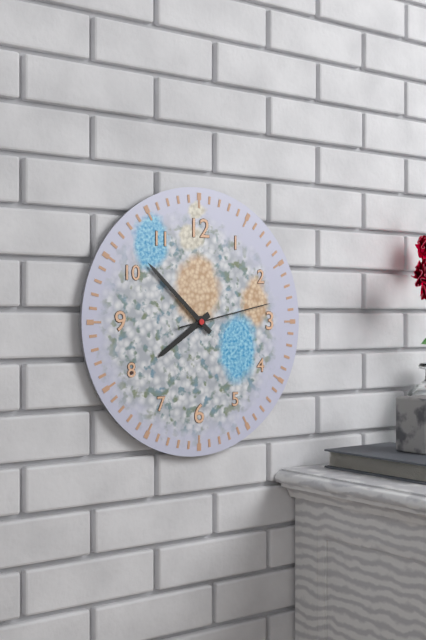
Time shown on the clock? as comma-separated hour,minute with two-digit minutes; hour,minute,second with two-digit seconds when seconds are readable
7,52,13
